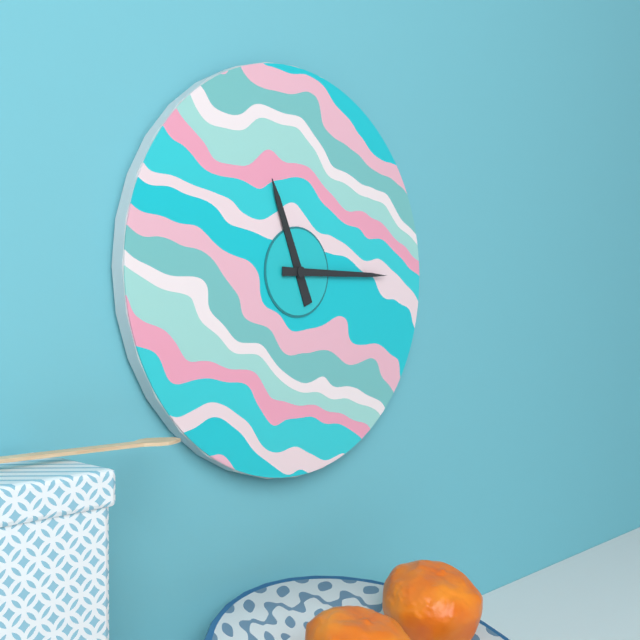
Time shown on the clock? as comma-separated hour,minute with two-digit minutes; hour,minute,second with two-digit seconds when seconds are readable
11,15
